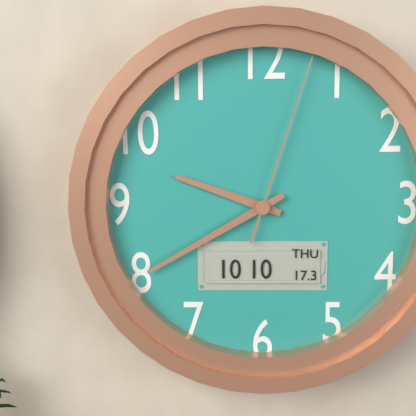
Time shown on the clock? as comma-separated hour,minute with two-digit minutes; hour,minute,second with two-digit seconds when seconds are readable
9,40,03
